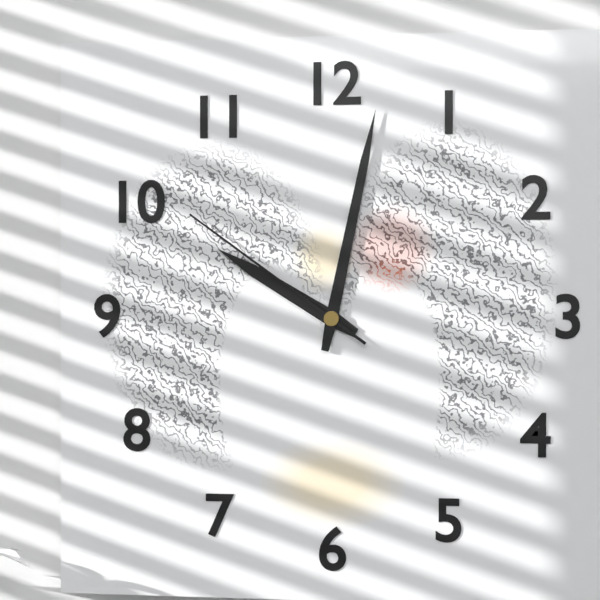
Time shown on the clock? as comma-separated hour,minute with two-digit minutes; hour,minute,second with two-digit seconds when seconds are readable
10,02,51
